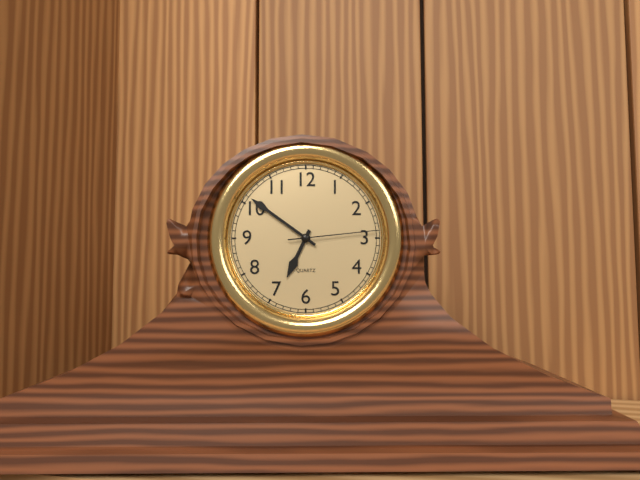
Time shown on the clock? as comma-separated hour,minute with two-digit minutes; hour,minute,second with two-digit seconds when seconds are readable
6,51,14
